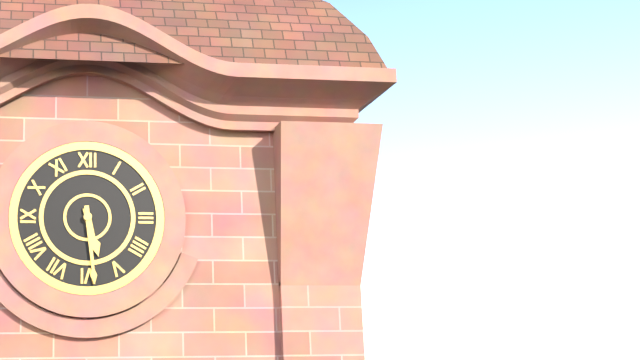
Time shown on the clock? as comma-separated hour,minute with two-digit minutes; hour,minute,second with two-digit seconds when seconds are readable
5,29
